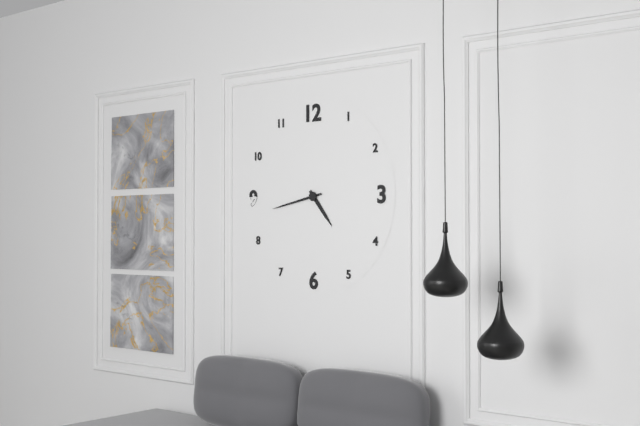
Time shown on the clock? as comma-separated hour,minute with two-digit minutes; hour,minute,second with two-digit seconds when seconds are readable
4,43
